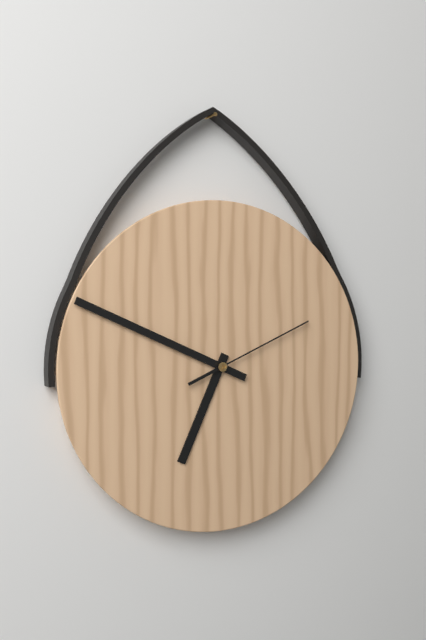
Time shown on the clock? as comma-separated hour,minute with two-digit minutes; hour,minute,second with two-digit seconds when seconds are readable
6,49,11
